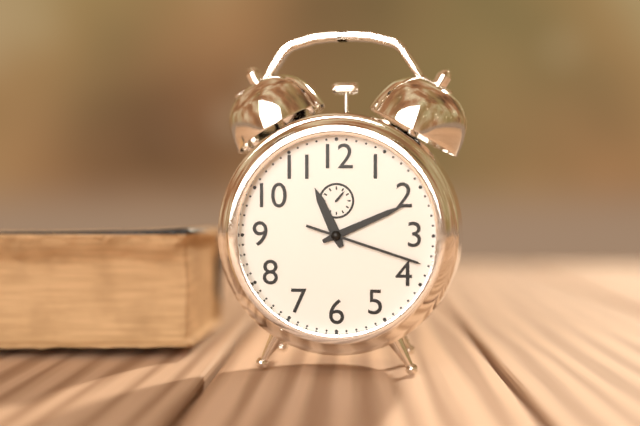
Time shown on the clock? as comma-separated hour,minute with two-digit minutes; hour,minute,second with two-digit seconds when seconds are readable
11,11,18
